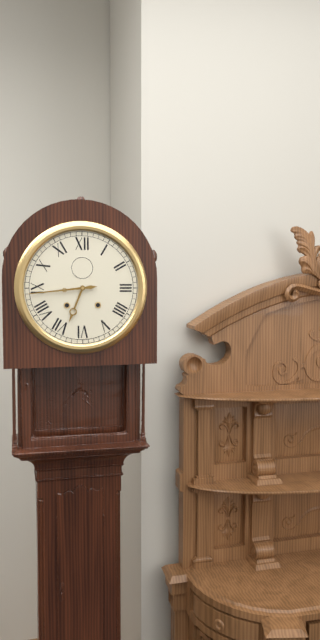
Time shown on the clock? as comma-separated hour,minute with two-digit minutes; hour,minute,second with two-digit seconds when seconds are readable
6,44
